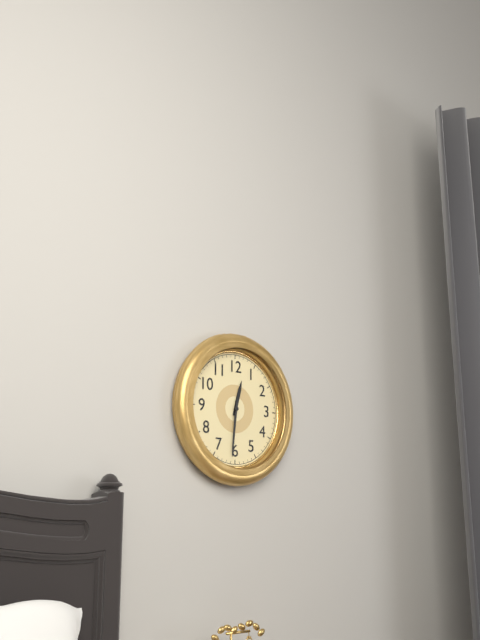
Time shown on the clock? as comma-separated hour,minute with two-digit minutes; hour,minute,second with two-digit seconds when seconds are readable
12,31
